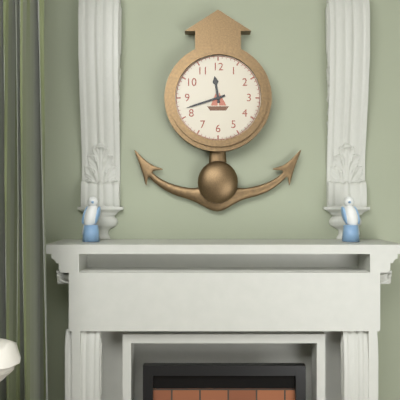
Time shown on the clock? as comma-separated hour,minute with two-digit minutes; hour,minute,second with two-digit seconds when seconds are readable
11,42
